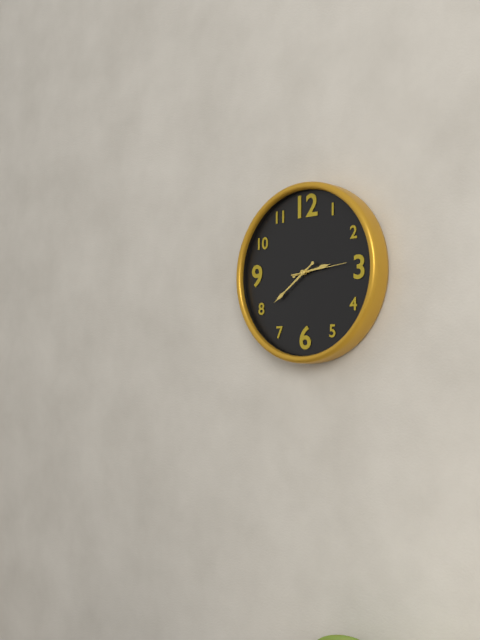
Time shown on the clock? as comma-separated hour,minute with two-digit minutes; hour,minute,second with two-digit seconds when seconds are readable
2,39,14
